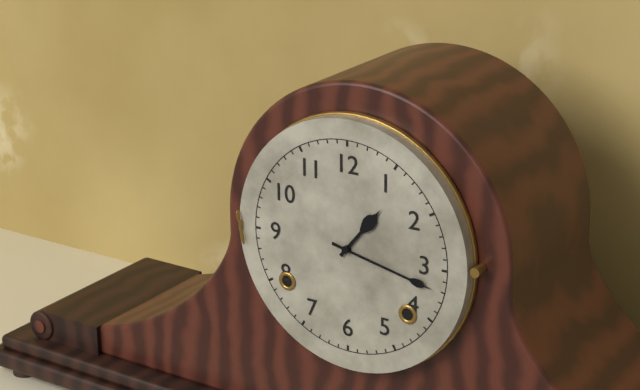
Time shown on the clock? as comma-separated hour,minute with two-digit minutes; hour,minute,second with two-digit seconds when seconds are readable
1,17
